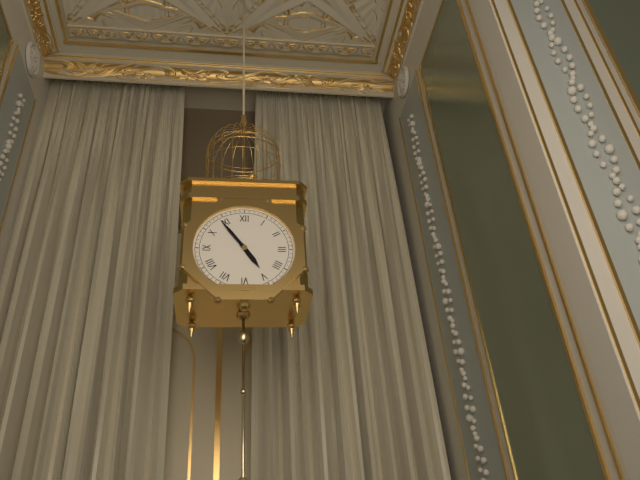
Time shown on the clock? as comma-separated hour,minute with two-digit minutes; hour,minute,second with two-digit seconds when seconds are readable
4,54
